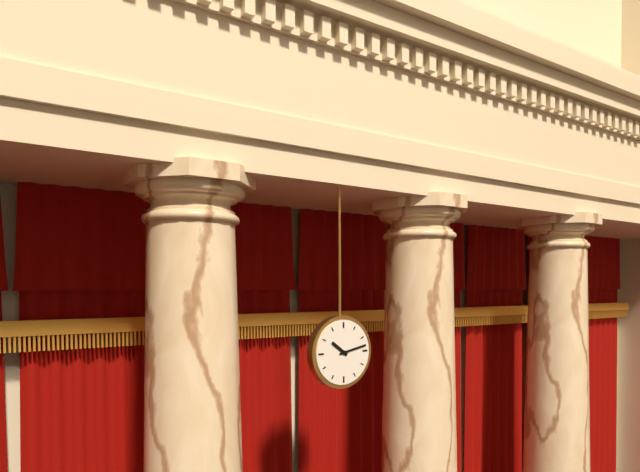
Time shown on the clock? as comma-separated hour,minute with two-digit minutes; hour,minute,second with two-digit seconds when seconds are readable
10,13
